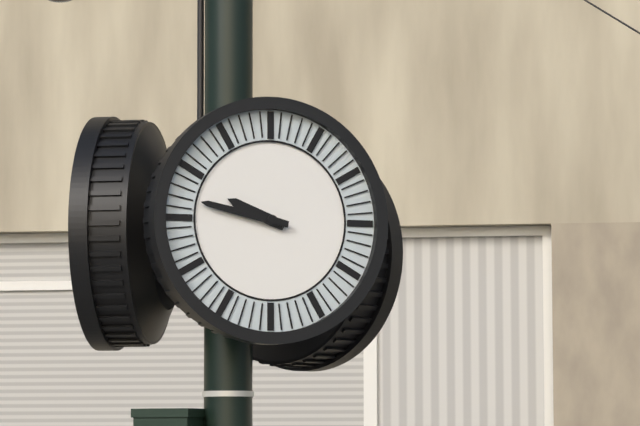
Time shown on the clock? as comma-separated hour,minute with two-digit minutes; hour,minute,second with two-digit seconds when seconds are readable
9,47
